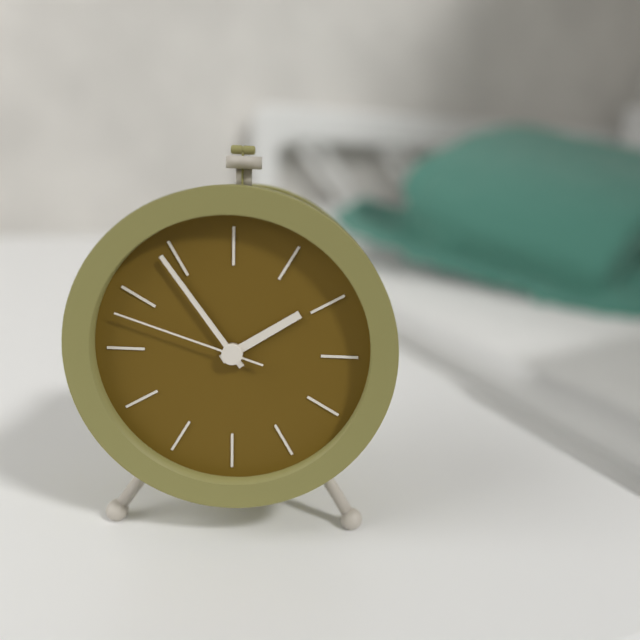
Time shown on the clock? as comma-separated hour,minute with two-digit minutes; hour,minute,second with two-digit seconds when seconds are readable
1,54,48
